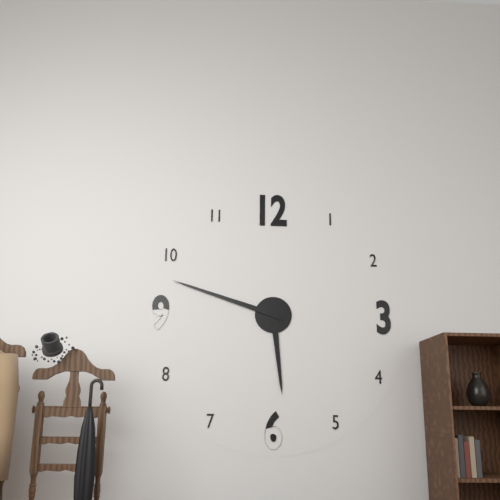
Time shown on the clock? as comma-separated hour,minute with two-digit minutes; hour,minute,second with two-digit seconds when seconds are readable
5,48
